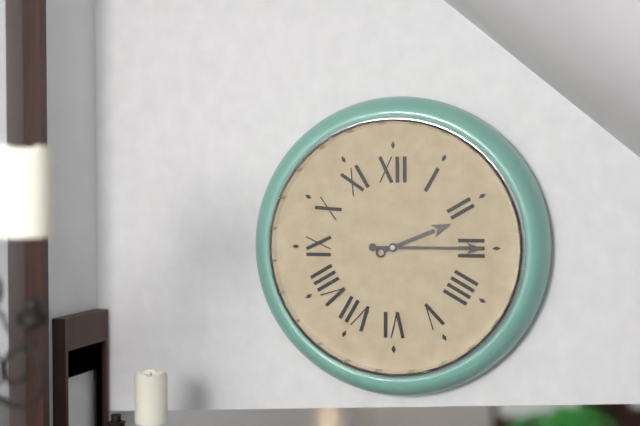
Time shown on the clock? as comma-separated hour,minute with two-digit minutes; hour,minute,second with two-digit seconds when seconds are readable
2,15
